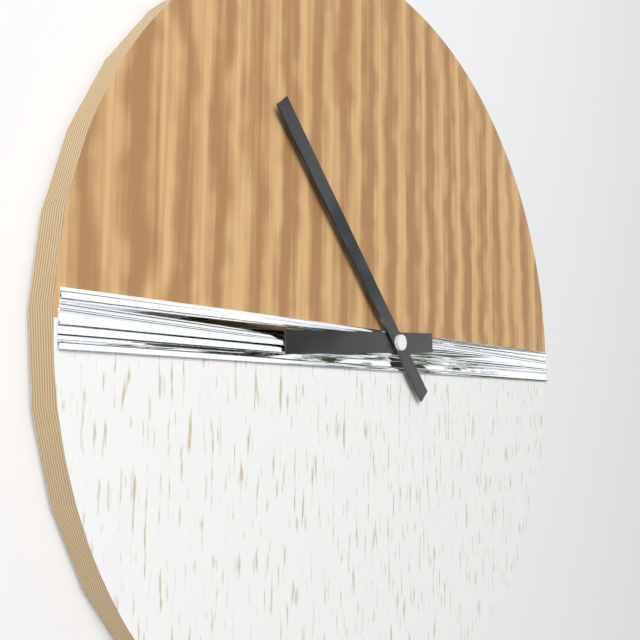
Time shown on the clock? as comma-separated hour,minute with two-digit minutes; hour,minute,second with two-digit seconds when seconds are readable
8,53
